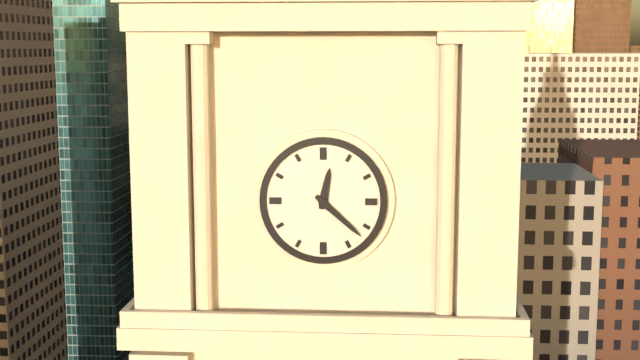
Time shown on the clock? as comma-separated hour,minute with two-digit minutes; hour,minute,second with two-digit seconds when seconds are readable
12,22
